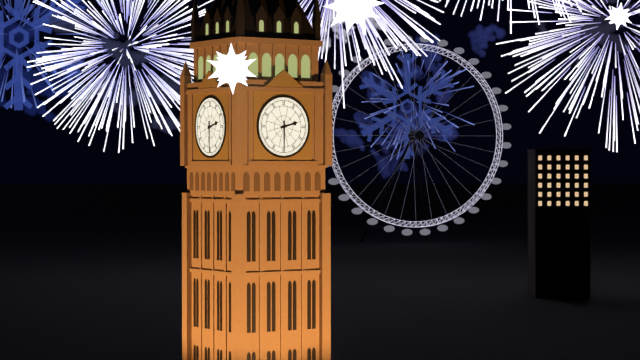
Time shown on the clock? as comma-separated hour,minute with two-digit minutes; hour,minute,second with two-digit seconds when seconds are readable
2,30
